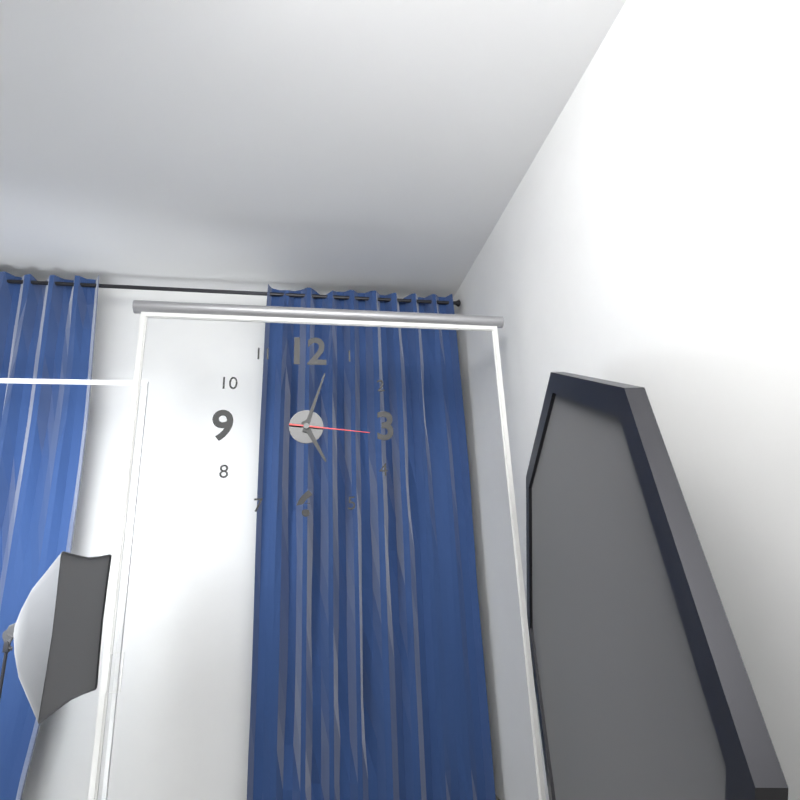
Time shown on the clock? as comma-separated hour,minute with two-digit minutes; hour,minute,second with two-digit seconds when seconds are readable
5,03,16
